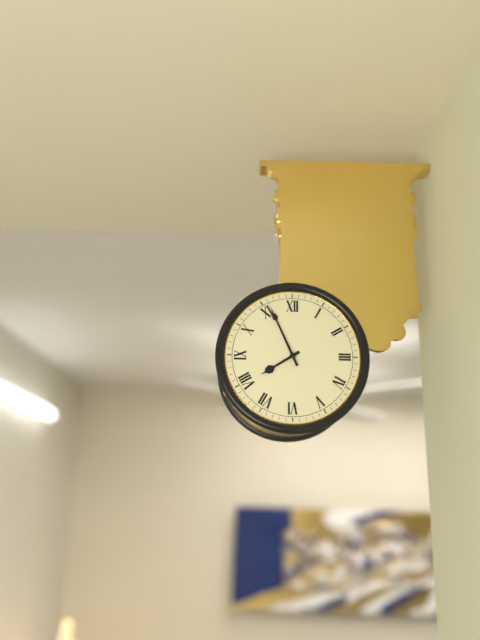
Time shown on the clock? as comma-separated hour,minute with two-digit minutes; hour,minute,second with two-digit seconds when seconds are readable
7,56
